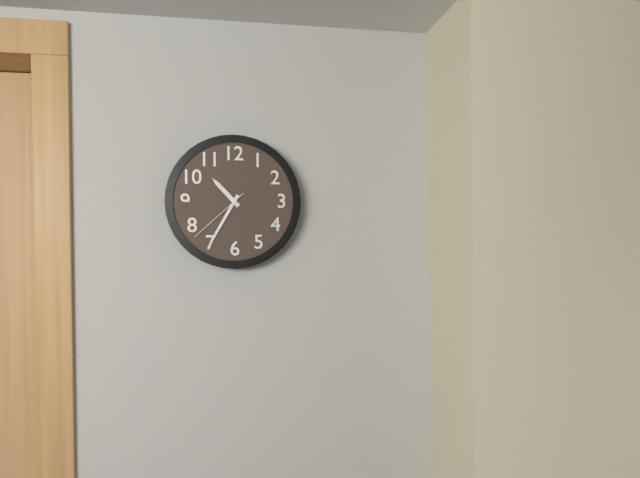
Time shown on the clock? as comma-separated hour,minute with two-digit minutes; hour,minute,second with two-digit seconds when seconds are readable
10,35,38
